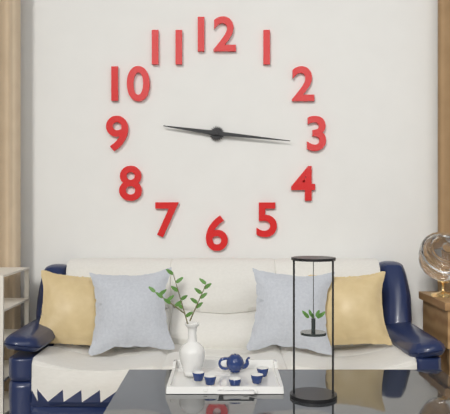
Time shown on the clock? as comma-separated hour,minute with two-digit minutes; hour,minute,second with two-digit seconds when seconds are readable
9,16
